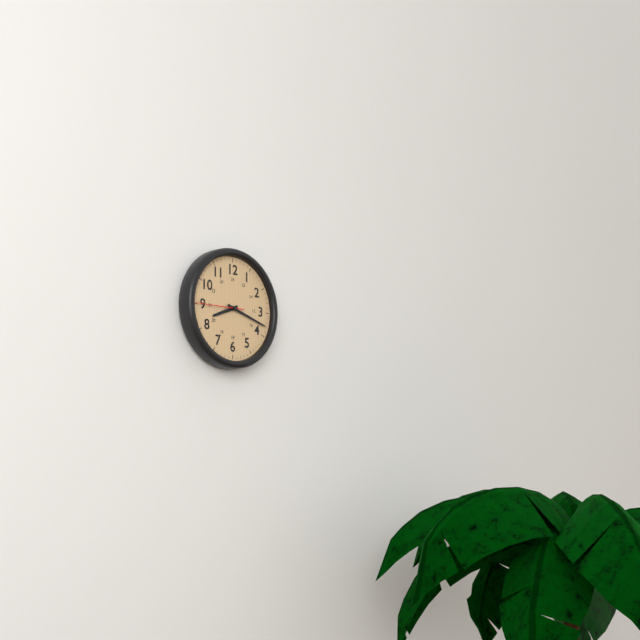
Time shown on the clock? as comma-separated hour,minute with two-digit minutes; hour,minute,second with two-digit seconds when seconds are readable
8,18
